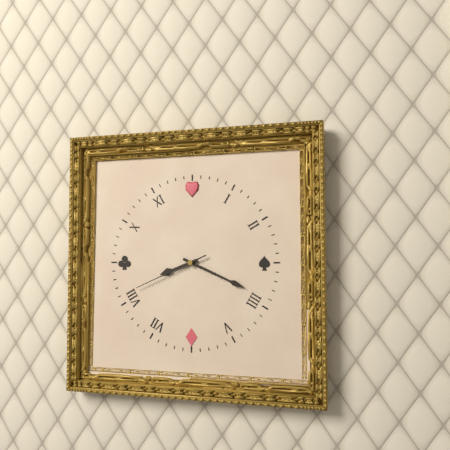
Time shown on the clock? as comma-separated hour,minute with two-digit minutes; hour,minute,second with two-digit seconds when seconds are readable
8,19,41
